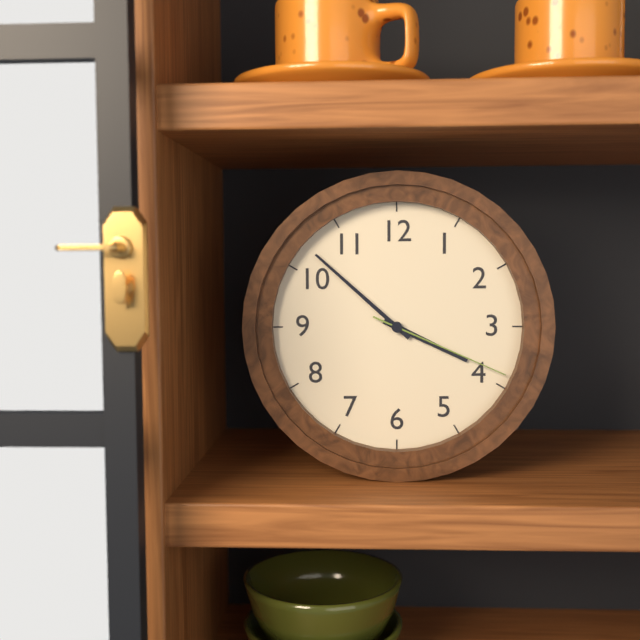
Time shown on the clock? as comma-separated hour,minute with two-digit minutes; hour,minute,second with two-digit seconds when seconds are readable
3,52,19
